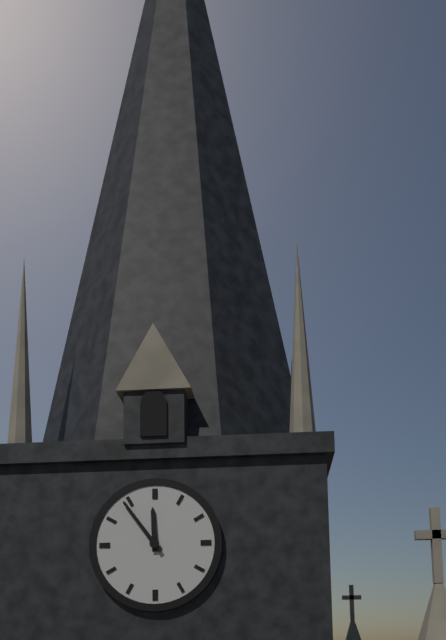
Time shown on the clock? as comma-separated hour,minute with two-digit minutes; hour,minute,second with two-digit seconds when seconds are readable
11,54
